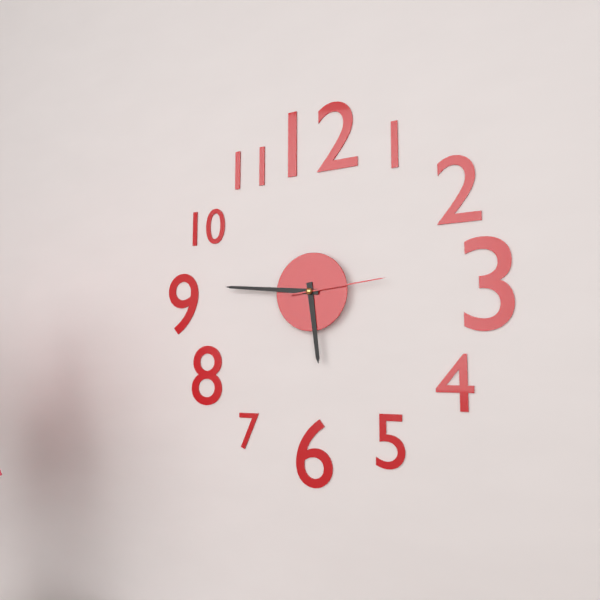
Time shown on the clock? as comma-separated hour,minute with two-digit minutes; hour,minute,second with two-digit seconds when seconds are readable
5,46,14
